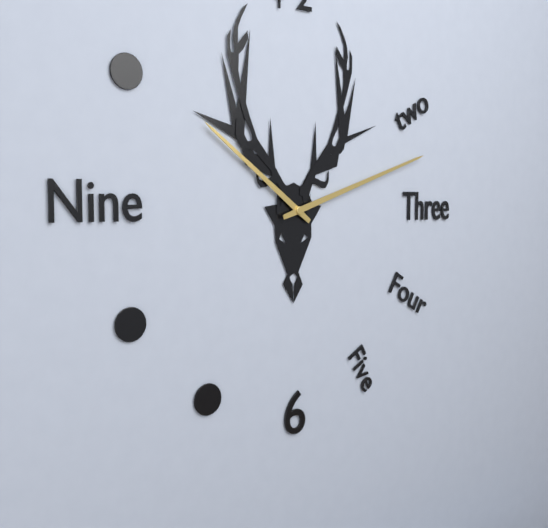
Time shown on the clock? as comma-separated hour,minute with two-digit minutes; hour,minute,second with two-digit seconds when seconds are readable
10,12
